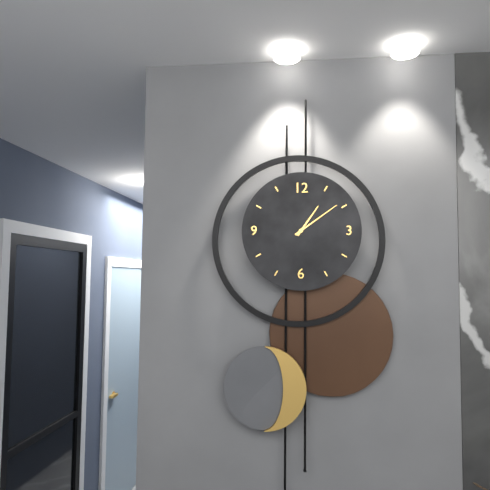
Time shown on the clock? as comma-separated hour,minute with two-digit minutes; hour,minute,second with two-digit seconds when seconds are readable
1,09
